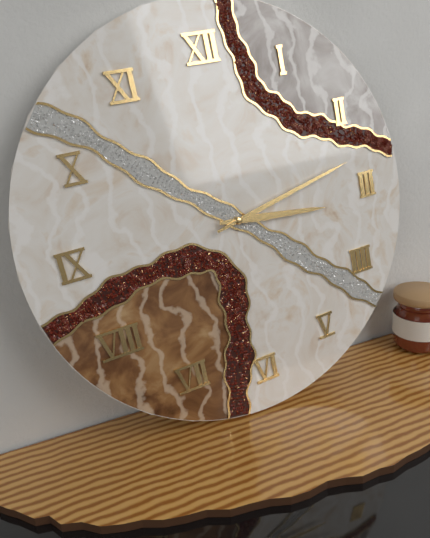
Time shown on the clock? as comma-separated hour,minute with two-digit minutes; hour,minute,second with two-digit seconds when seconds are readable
3,13
